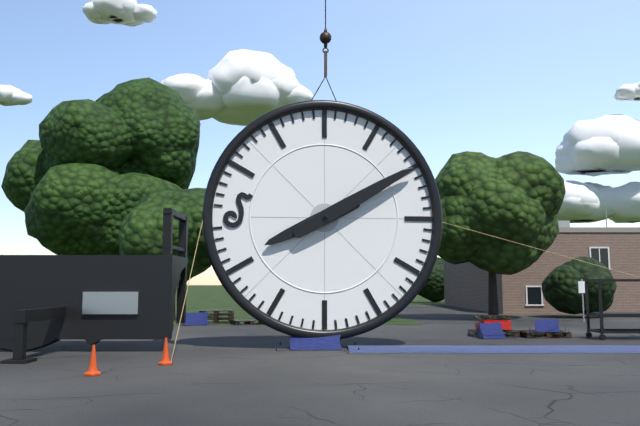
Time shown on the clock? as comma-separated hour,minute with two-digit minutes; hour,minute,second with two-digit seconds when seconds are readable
8,10
